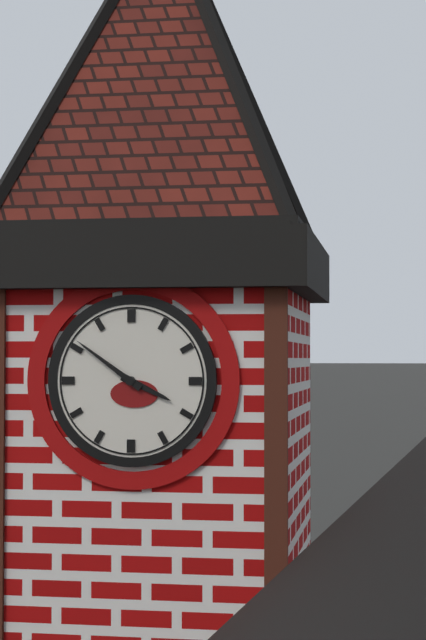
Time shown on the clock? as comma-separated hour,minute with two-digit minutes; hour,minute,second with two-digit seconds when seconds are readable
3,51
